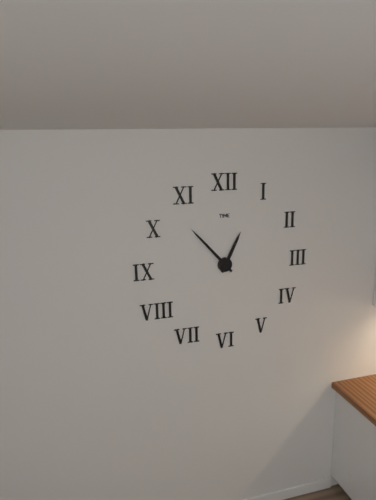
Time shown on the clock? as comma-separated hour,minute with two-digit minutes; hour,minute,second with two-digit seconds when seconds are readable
12,53
